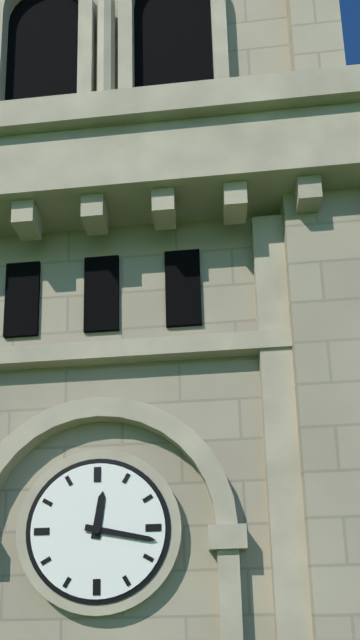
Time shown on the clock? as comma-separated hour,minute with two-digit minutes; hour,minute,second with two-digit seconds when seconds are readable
12,17
